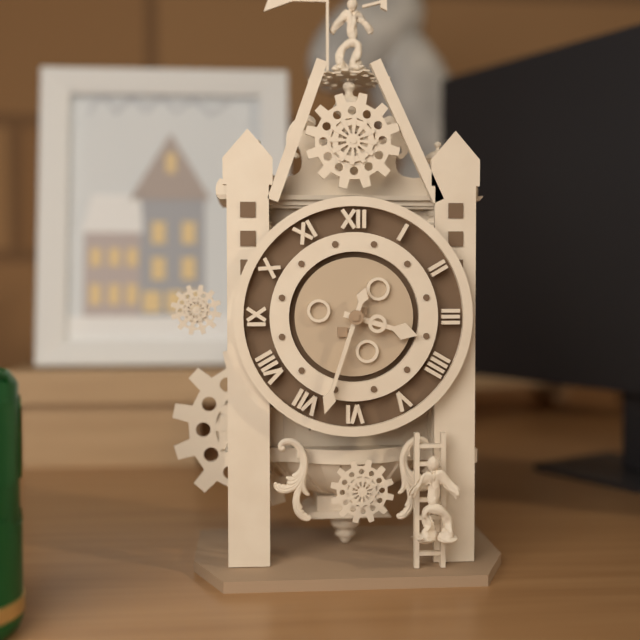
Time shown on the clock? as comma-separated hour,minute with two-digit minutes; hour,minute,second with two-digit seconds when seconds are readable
3,33
